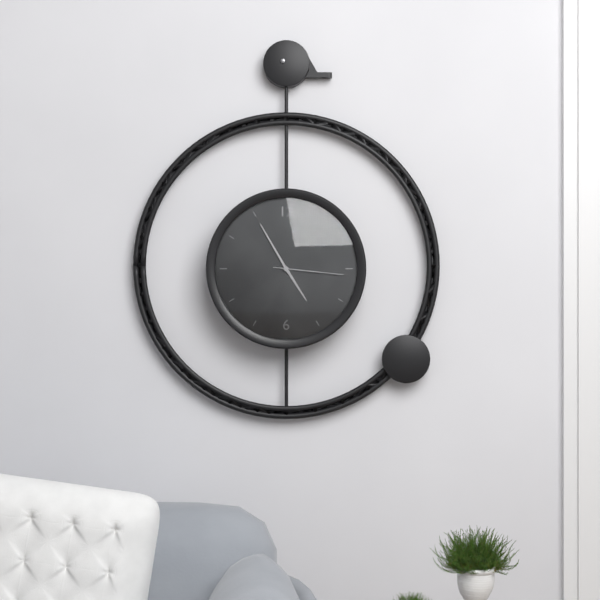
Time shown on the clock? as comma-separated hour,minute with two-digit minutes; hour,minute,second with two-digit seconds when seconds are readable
4,55,16
